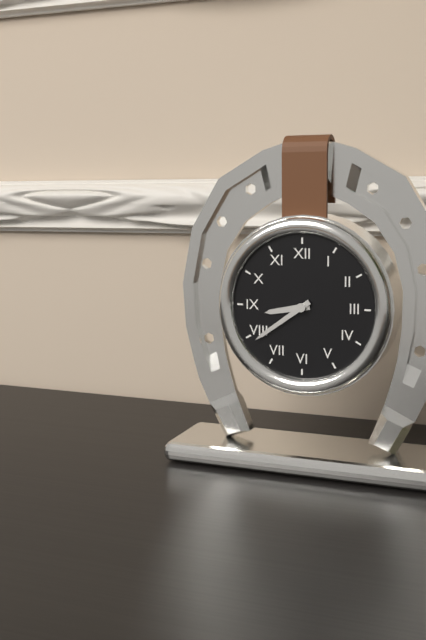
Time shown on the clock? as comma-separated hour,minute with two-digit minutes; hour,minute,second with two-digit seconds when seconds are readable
8,39
